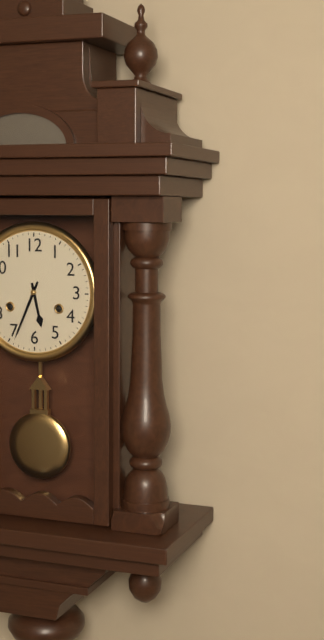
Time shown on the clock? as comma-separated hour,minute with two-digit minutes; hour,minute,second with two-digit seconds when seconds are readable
5,34
